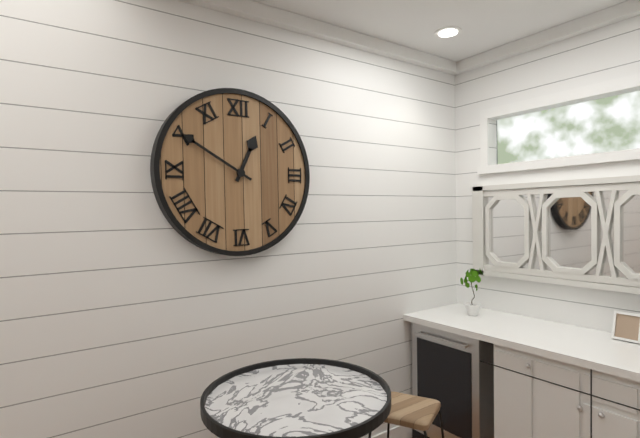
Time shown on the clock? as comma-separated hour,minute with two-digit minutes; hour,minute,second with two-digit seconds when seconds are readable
12,50
